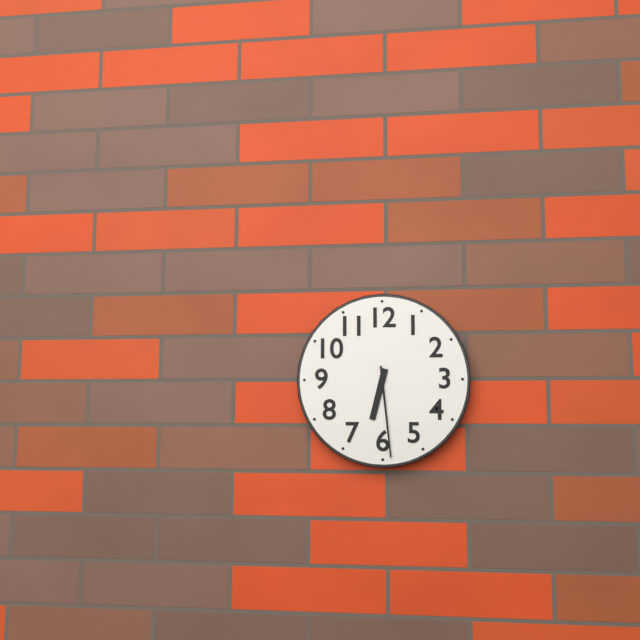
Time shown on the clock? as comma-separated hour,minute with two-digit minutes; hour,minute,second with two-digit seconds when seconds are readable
6,29
